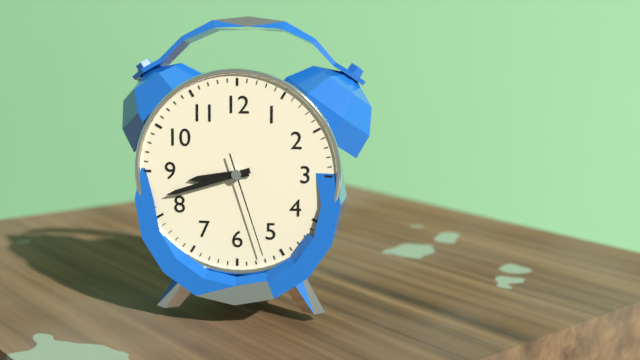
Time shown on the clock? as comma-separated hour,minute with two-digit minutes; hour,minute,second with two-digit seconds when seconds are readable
8,42,27
